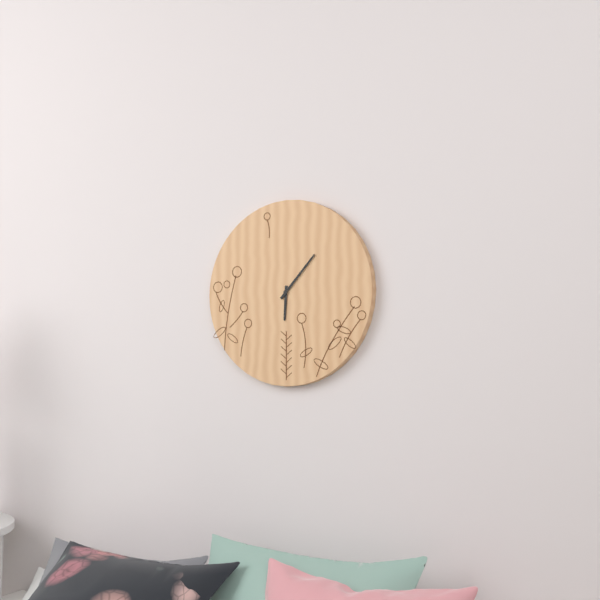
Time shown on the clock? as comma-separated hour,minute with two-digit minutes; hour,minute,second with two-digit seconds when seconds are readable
6,07
